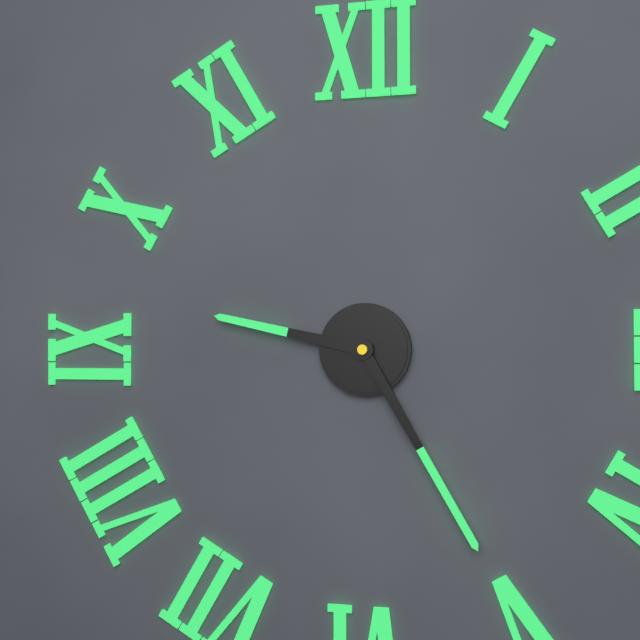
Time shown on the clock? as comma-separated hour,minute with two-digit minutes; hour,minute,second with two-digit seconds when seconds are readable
9,25
